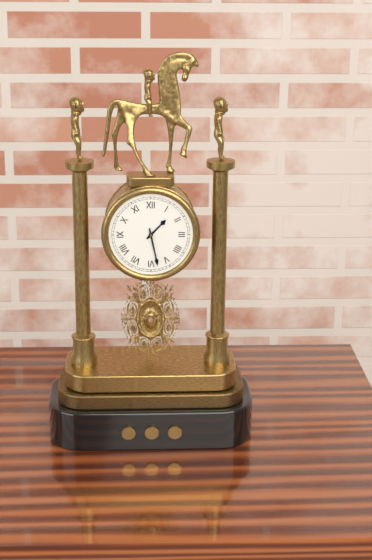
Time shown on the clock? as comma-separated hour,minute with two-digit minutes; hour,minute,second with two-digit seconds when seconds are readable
1,28
